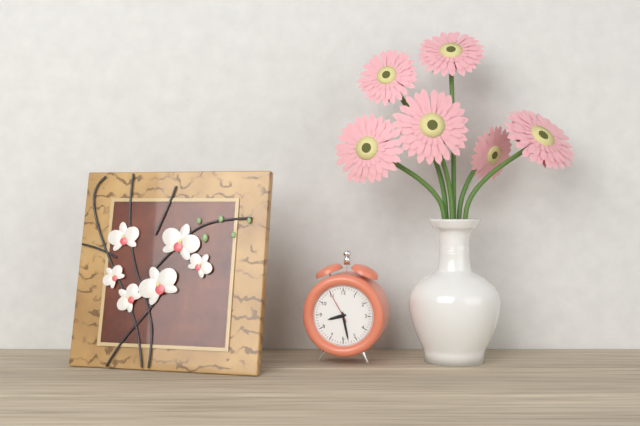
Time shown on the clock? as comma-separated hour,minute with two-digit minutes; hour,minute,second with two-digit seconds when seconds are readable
8,28
